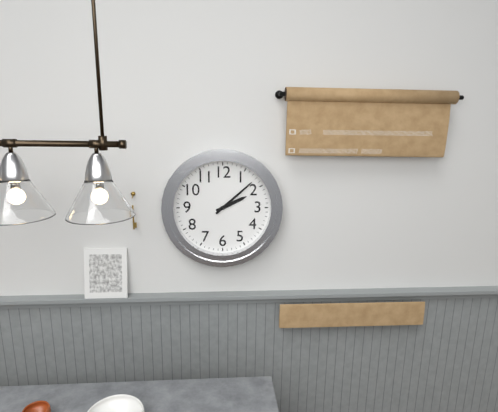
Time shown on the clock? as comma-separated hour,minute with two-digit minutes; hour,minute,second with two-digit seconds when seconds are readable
2,08
